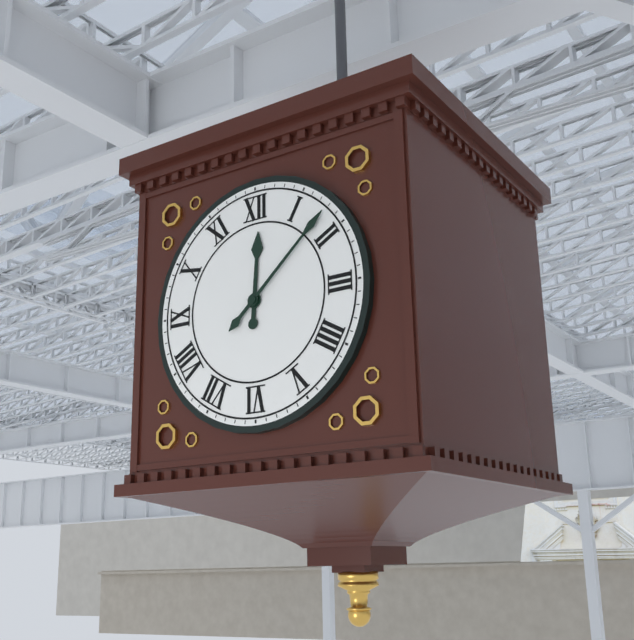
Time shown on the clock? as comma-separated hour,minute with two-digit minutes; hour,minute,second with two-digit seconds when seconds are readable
12,08
